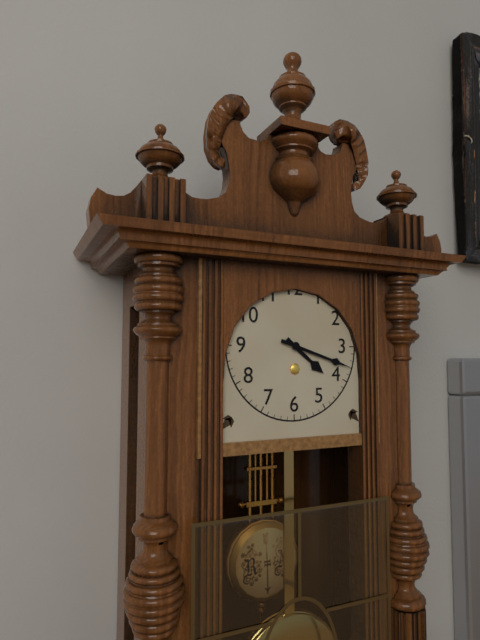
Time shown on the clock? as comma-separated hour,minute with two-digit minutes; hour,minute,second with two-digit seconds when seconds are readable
4,18
